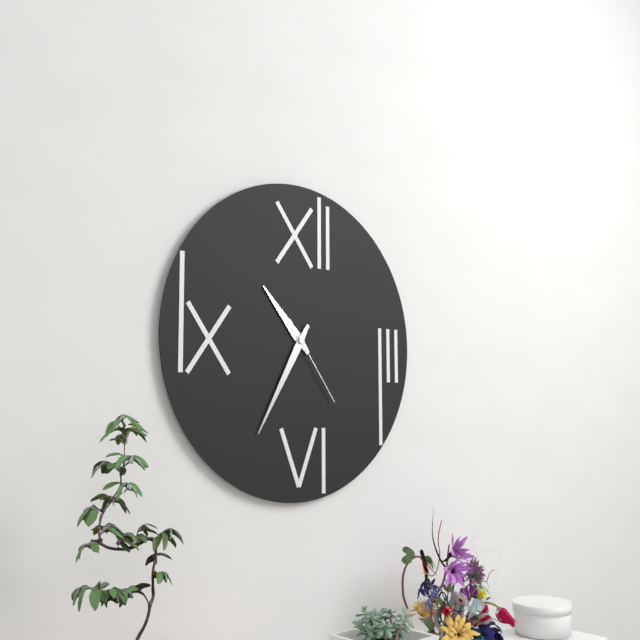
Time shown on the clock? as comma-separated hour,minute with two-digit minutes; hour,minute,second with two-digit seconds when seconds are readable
10,35,24
